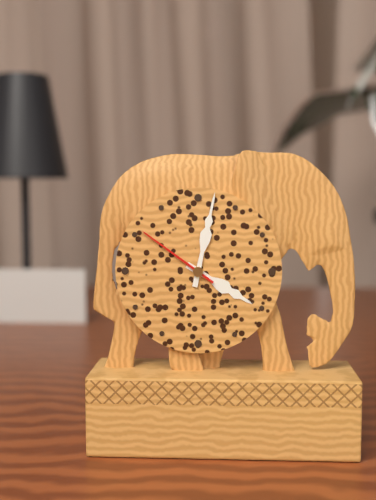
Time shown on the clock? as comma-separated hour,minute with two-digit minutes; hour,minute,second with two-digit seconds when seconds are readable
4,02,51
